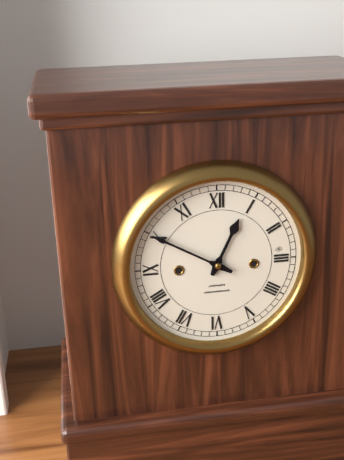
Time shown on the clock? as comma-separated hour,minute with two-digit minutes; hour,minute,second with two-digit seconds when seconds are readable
12,50
